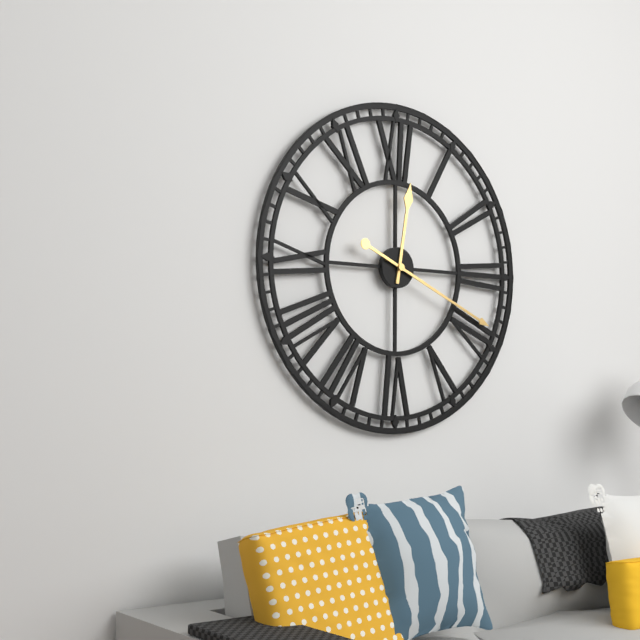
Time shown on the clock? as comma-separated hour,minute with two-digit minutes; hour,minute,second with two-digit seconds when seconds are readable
12,19
